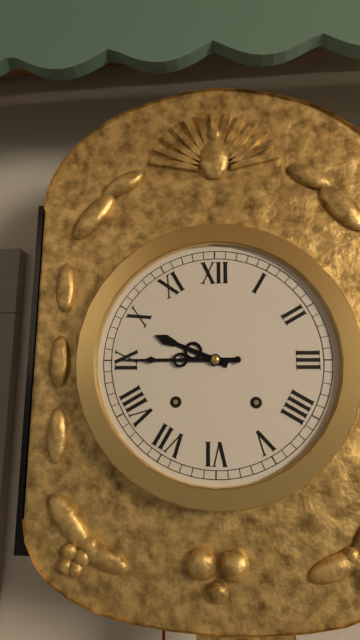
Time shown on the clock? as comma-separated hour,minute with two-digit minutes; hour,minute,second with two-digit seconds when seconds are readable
9,45
